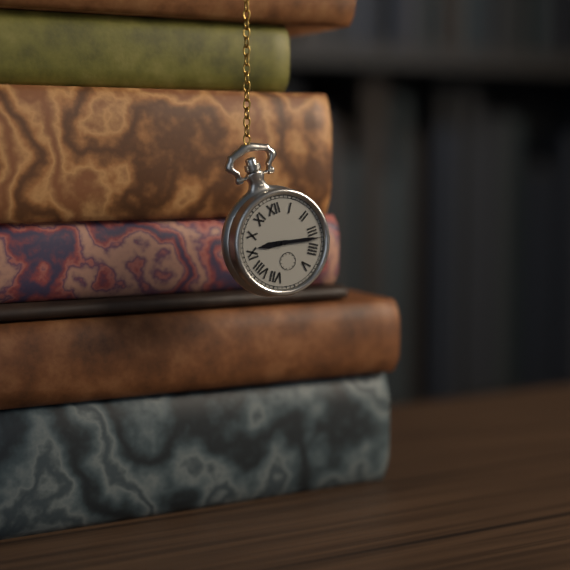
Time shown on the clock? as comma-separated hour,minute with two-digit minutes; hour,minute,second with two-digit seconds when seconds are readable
9,17
